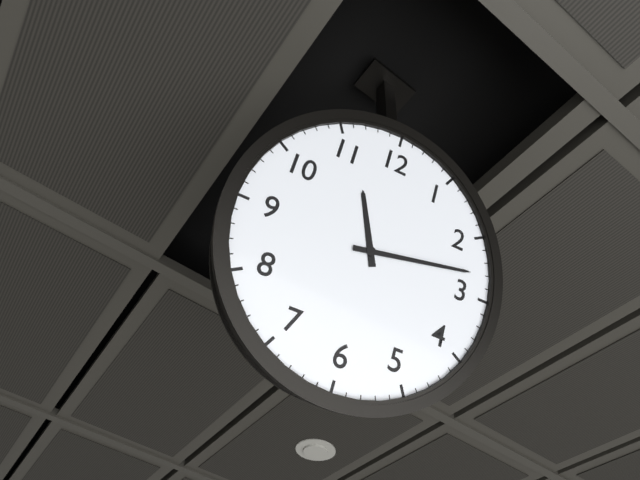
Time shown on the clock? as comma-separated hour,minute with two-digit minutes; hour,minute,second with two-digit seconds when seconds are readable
11,13
